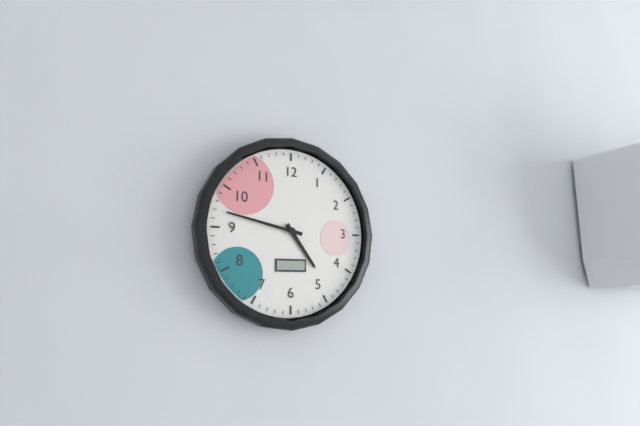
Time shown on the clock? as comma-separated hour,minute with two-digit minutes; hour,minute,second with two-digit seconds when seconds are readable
4,47
